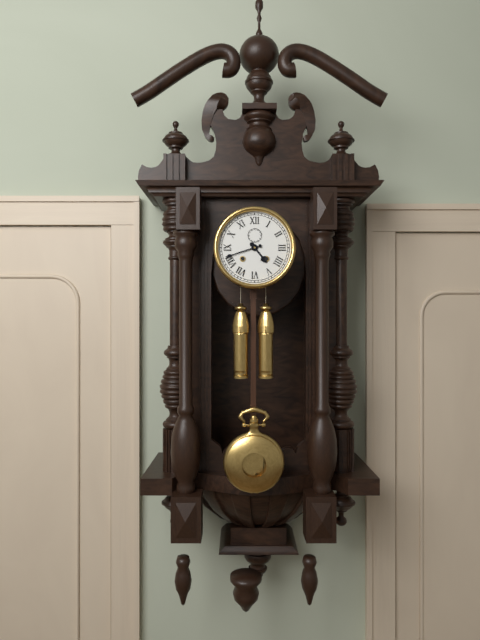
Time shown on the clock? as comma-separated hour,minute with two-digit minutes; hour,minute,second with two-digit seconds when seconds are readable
4,42
